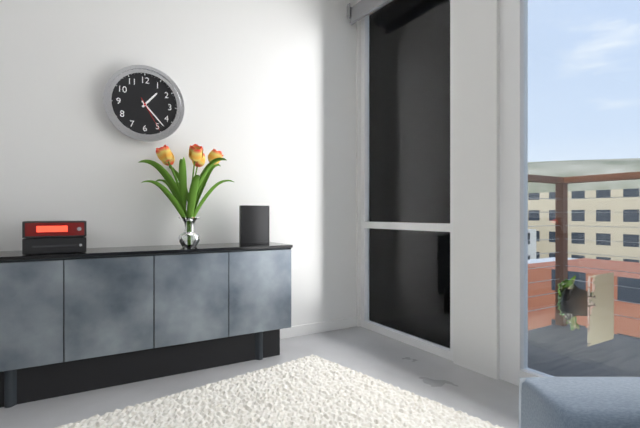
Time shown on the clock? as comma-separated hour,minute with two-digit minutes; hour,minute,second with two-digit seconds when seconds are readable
1,23
